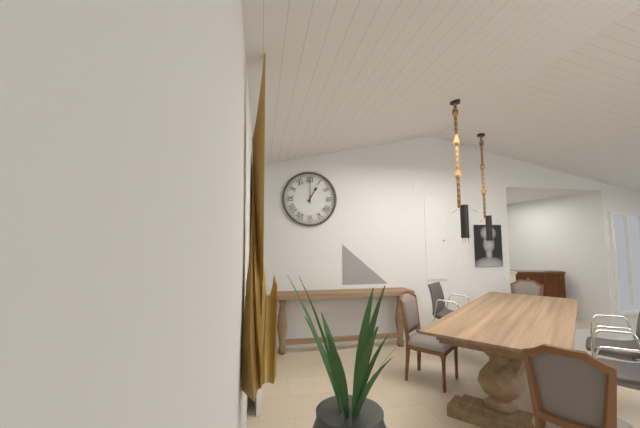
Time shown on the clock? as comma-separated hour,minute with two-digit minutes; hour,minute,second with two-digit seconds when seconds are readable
1,00
